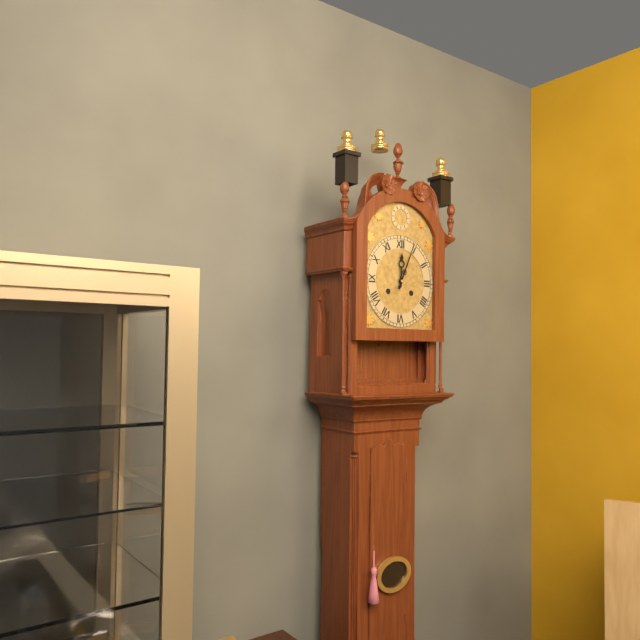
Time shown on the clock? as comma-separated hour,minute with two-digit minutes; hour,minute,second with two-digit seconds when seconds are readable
12,04
